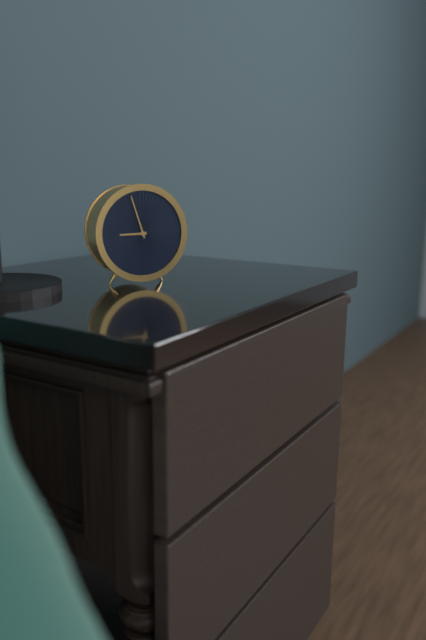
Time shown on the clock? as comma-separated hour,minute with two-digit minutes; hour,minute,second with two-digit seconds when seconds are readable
8,57
